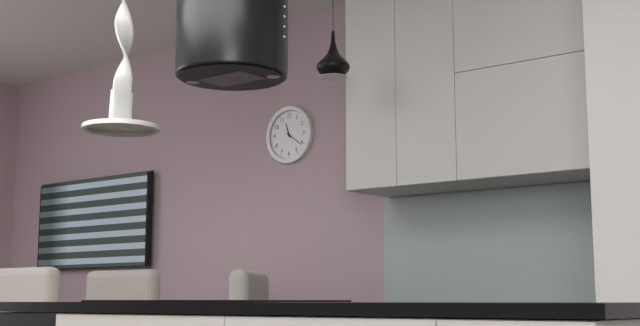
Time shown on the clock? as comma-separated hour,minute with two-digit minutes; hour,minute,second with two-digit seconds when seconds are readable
11,21
